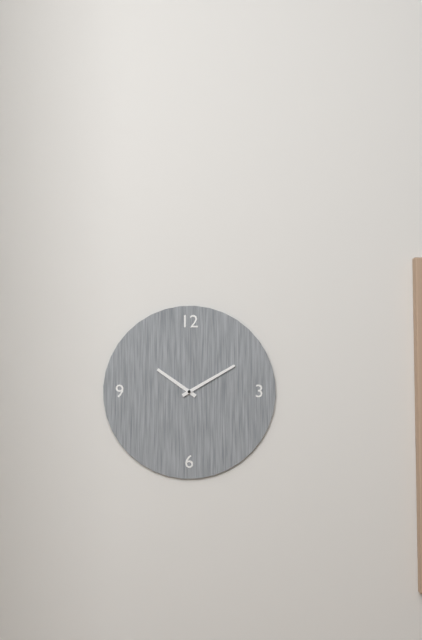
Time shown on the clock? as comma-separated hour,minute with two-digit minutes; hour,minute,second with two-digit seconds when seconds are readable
10,10
